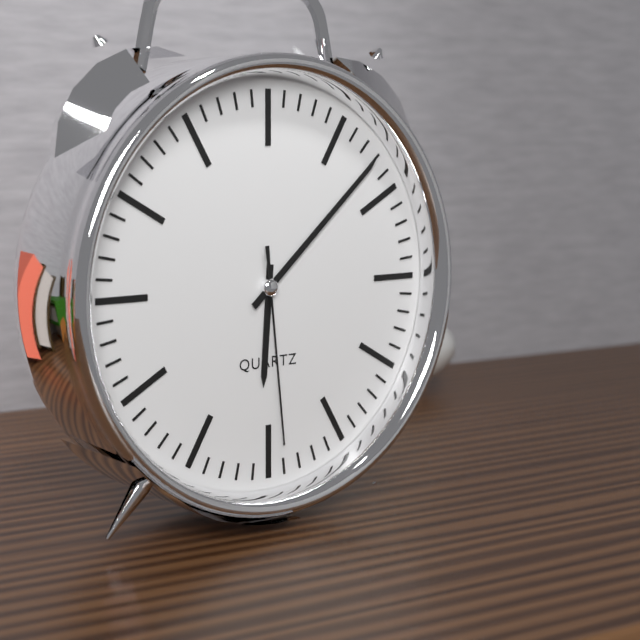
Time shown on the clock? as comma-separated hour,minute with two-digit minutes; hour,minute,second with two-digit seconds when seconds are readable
6,08,29
